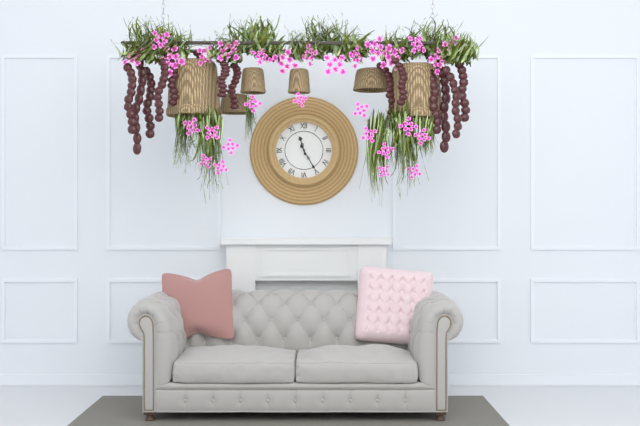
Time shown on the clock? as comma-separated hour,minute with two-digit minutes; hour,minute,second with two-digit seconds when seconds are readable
11,25
